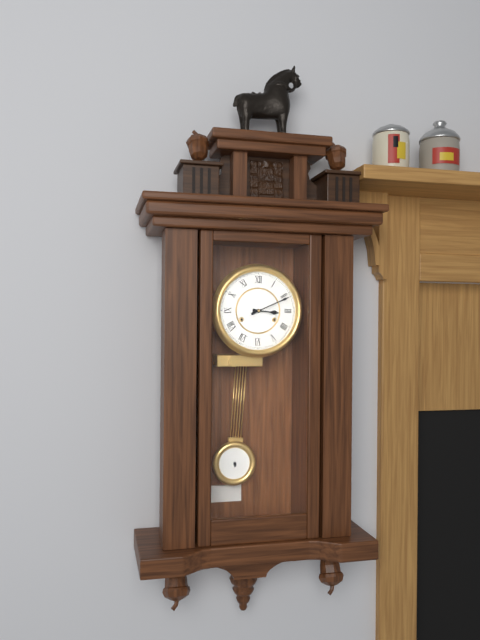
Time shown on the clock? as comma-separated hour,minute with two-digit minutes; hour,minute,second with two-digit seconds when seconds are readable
3,11
